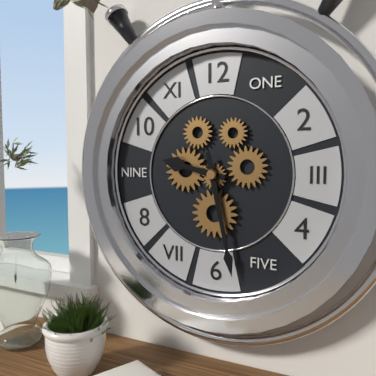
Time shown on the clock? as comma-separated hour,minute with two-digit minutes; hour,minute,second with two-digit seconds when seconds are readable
9,28
